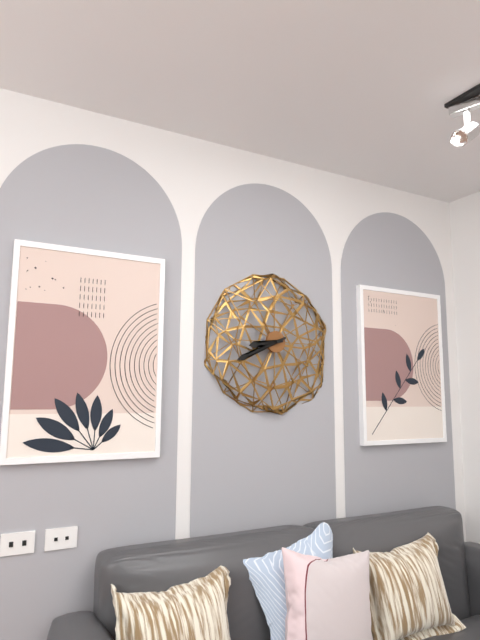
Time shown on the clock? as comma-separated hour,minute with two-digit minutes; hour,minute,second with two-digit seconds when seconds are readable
8,41
